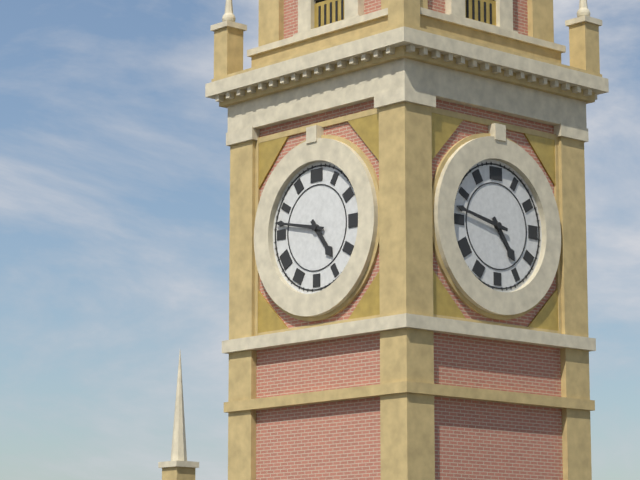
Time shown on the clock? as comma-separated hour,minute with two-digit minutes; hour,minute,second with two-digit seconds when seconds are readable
4,47
